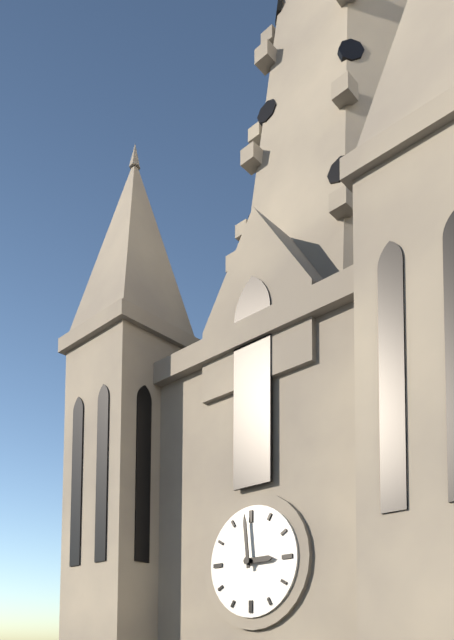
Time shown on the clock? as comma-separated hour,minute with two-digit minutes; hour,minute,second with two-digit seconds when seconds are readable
2,59
